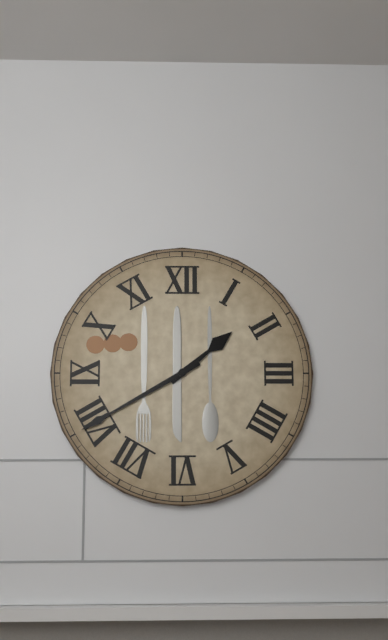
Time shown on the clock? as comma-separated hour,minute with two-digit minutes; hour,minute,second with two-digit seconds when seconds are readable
1,40
